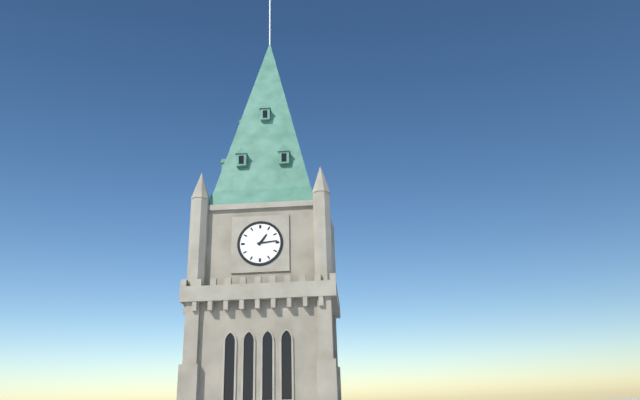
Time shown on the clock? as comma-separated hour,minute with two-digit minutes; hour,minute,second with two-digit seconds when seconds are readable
1,14
